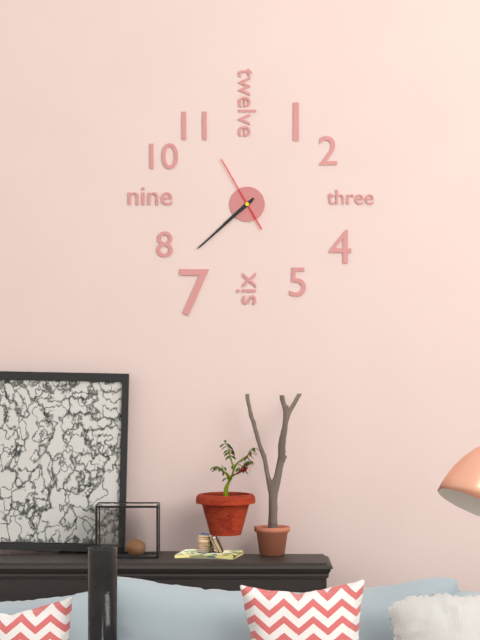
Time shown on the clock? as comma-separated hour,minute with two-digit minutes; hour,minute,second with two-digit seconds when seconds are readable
7,38,55
